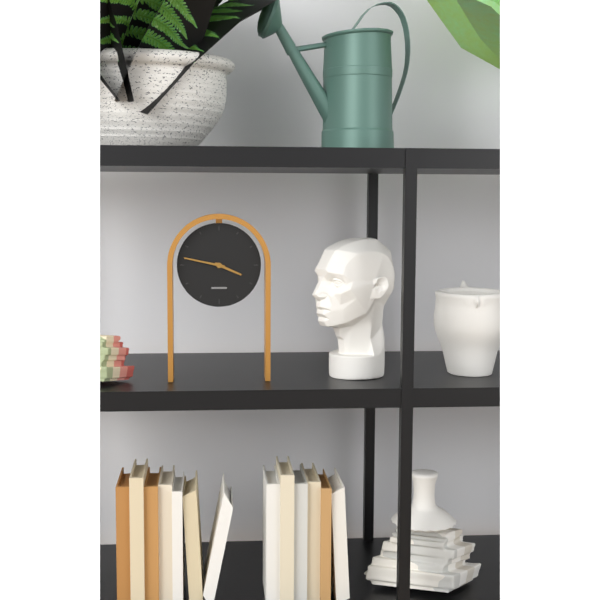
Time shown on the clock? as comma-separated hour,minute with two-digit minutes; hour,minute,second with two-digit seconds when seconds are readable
3,47
